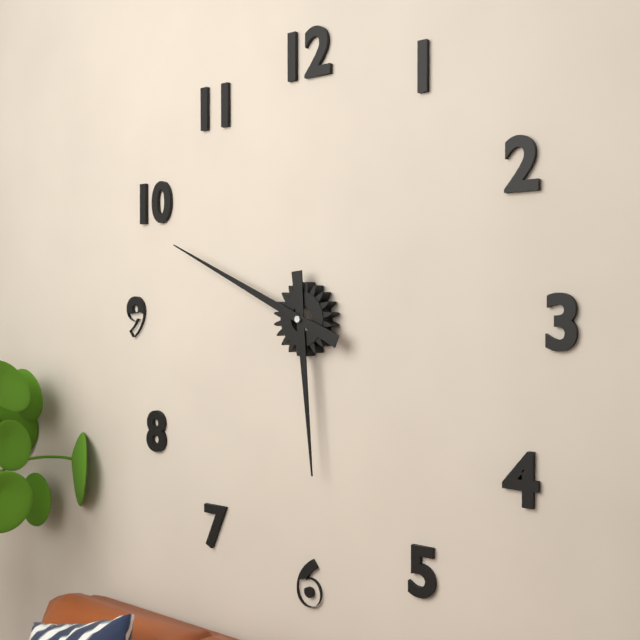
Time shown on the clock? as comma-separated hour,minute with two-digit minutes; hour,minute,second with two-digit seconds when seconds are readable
5,49
